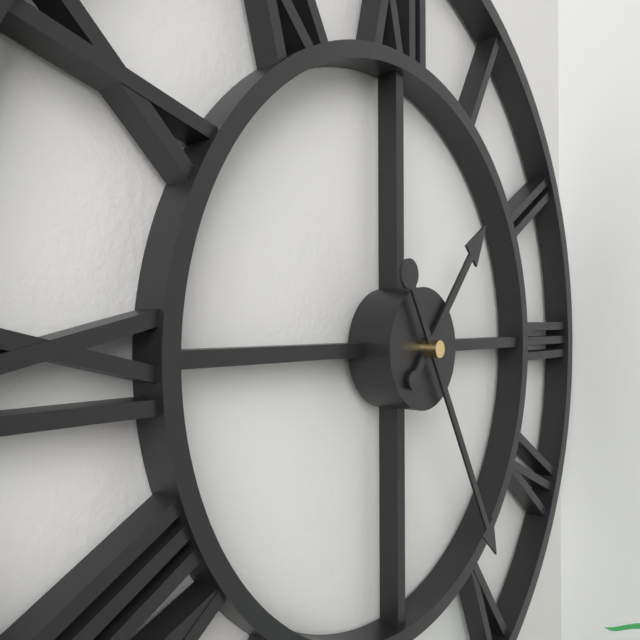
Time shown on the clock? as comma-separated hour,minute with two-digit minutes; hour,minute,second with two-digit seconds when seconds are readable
1,25
